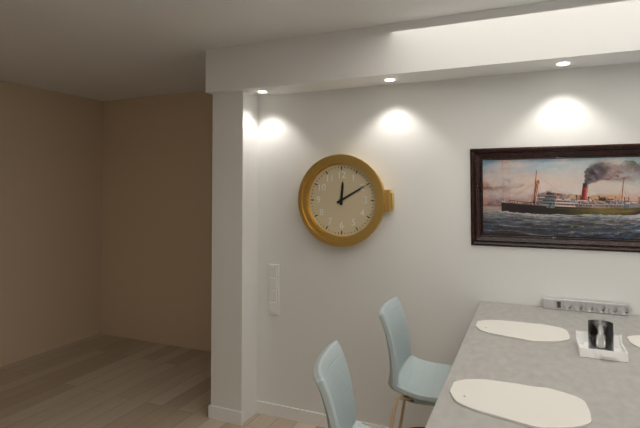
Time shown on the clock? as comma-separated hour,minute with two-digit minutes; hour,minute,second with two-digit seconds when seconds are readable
12,10
